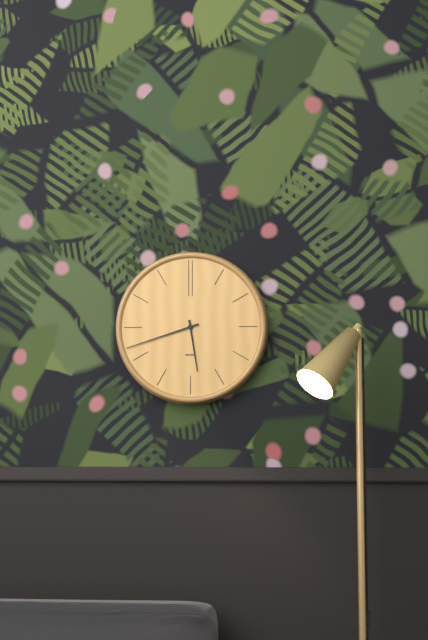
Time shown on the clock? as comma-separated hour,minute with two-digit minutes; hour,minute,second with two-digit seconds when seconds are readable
5,42
